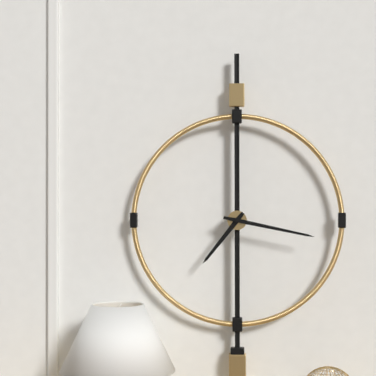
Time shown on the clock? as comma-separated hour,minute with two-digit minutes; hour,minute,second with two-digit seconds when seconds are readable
7,17
